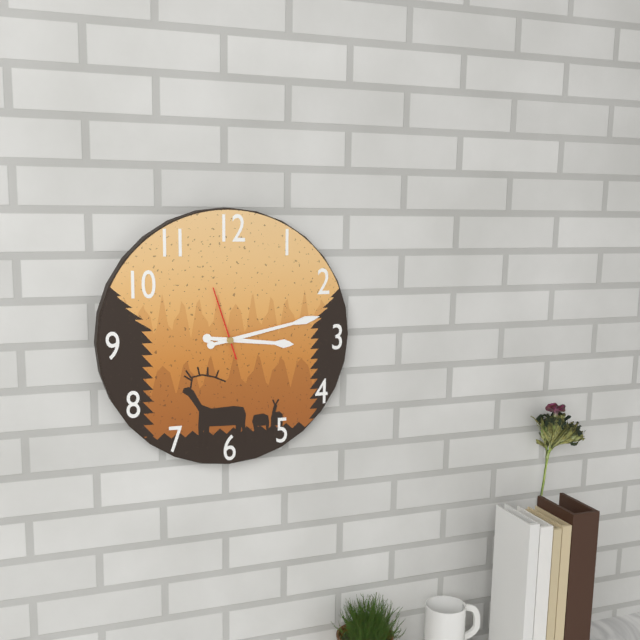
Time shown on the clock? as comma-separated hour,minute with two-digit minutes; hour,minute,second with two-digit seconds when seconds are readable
3,13,57
